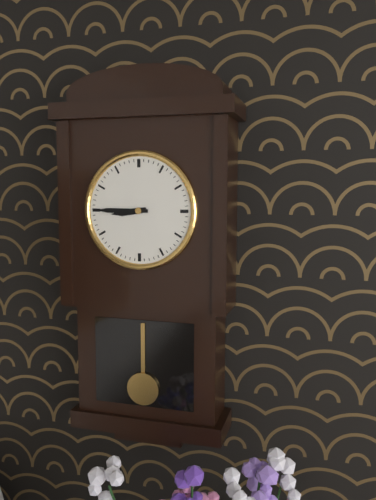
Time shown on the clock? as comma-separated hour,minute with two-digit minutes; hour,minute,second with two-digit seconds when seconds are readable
8,45
